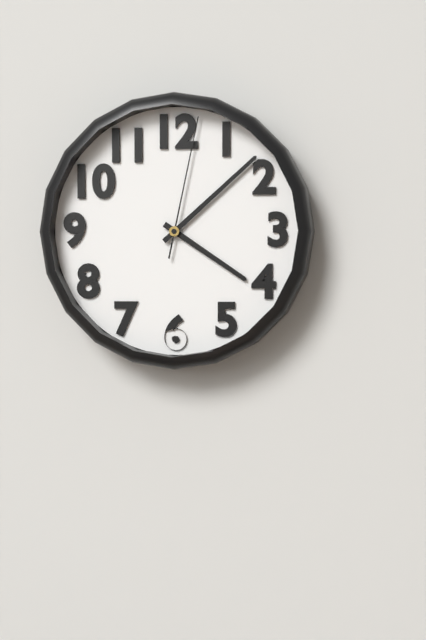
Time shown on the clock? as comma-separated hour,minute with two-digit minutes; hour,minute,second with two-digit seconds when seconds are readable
4,08,02
